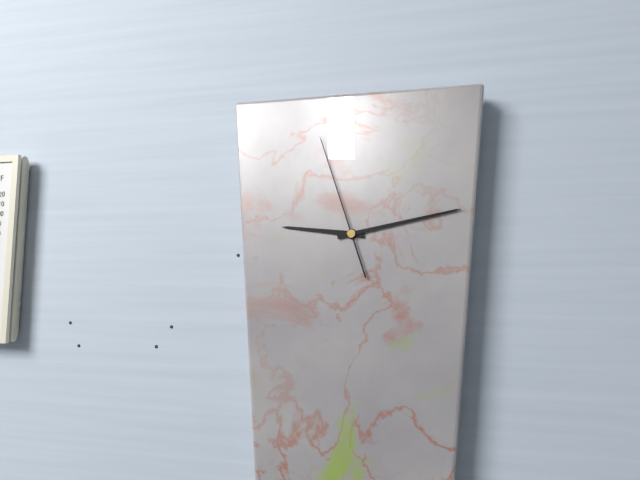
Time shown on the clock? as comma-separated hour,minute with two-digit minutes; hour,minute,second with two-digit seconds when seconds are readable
9,13,57
